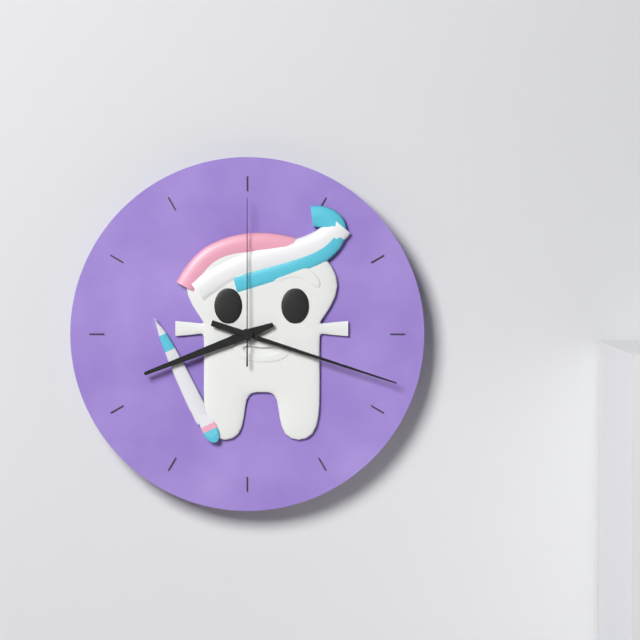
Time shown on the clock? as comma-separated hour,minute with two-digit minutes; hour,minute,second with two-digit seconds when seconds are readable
8,18,00
